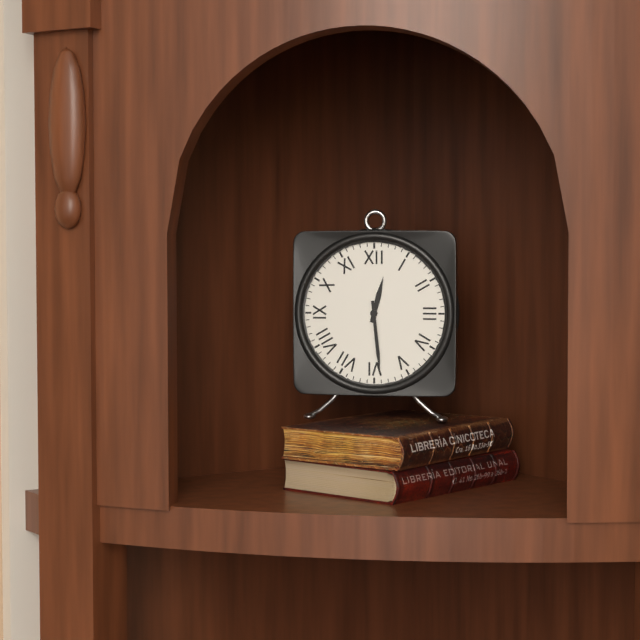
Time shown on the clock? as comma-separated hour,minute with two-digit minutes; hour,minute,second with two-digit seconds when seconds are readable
12,29
